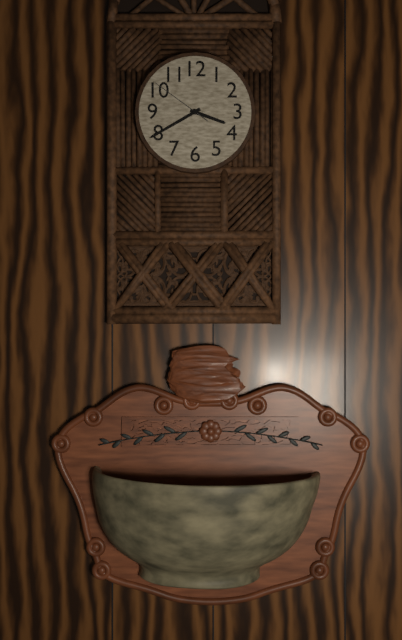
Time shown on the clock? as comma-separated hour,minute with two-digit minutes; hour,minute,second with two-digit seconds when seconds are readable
3,40,51
